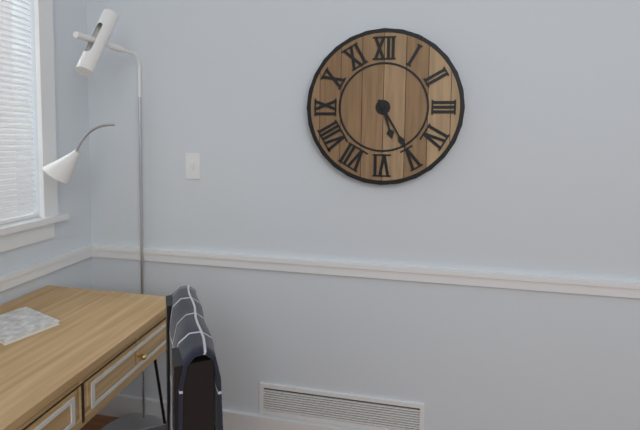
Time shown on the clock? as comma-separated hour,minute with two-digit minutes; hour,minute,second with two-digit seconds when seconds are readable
5,25
